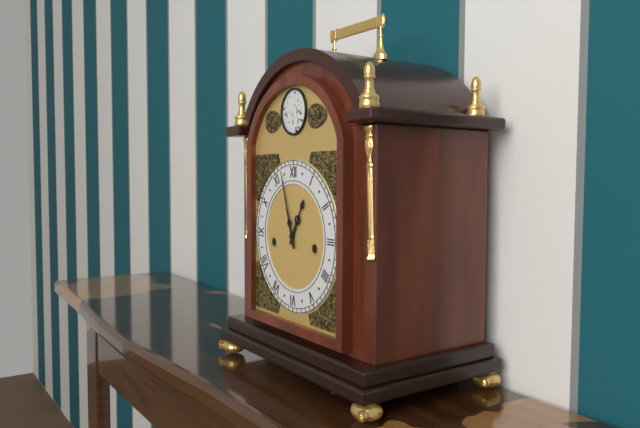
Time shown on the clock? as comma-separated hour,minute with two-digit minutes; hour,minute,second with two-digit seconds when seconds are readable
12,57
